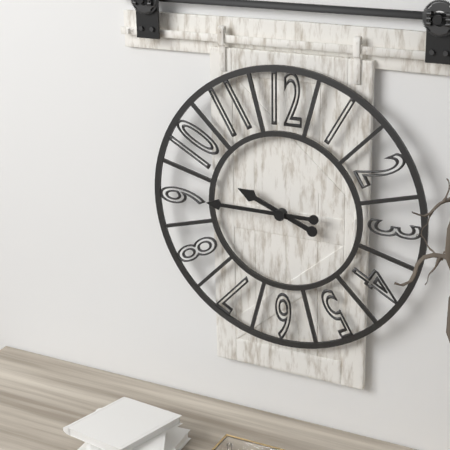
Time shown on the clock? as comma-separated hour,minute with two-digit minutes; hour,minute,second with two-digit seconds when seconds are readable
9,45
